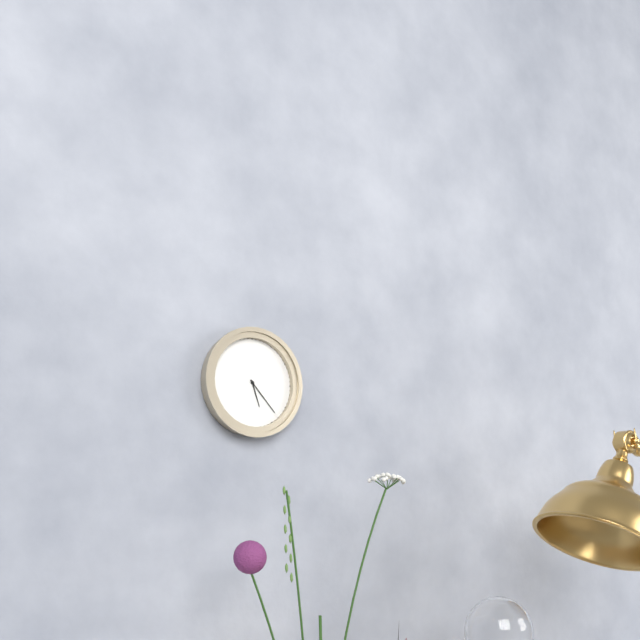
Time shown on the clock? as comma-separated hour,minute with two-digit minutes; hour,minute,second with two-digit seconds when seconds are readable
5,23
